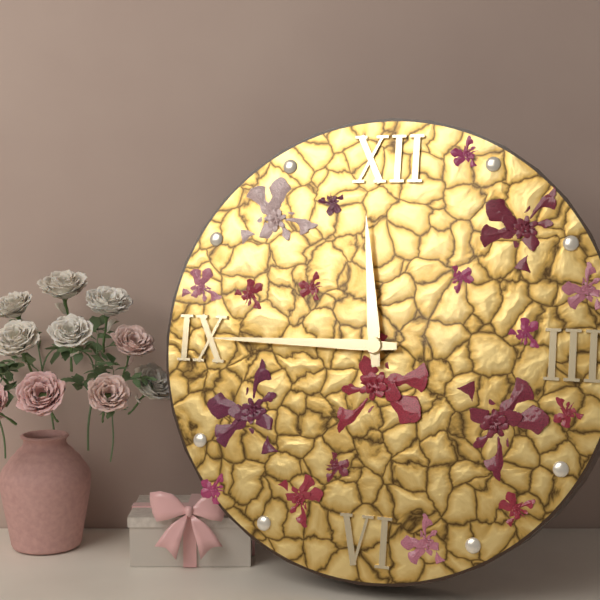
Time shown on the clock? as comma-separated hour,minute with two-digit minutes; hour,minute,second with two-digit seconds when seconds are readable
11,45
